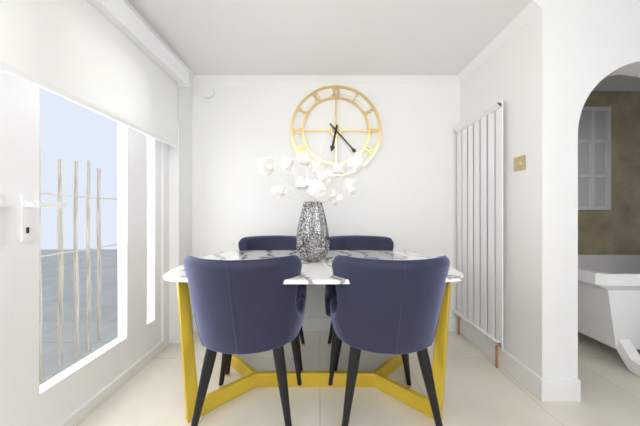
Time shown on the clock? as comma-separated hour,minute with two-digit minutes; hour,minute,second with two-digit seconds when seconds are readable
6,23
